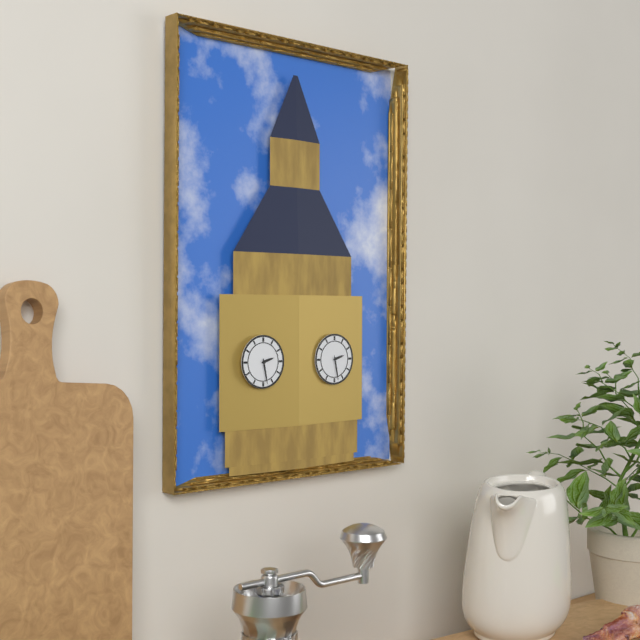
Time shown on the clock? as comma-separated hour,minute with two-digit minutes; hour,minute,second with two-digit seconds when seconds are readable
2,28
